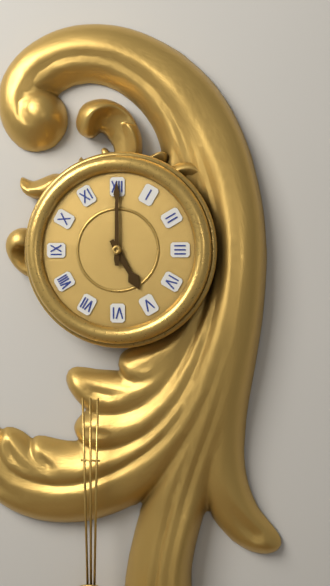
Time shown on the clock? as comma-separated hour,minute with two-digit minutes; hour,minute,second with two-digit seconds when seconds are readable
5,00
